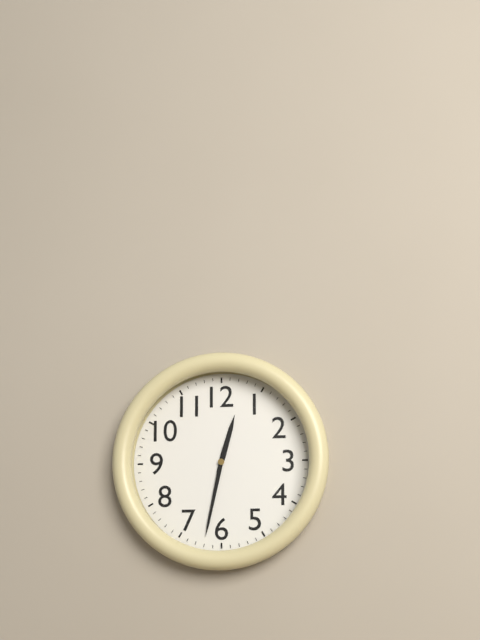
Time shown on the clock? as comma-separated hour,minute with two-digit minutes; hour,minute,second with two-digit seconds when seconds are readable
12,32
